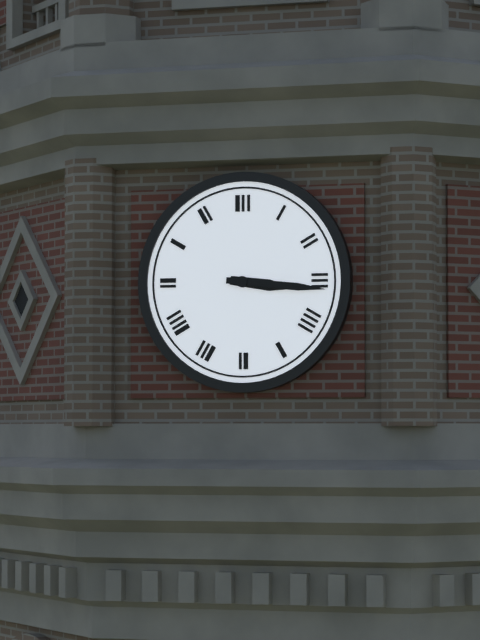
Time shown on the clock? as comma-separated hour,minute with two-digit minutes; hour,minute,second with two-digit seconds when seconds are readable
3,16
